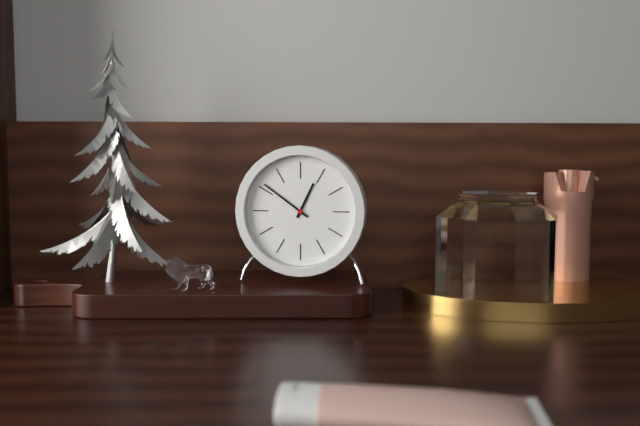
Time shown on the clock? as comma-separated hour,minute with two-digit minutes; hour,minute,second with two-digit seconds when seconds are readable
12,51
